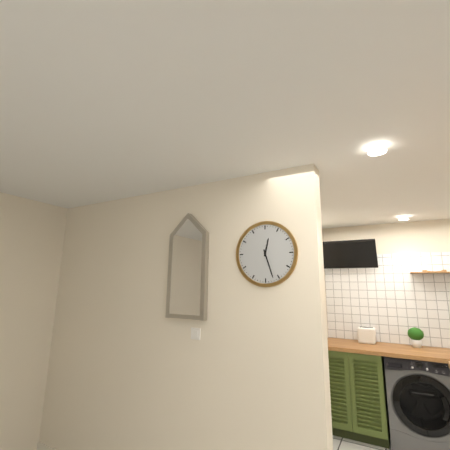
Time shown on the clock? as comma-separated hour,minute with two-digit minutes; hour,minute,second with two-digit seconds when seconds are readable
12,27
